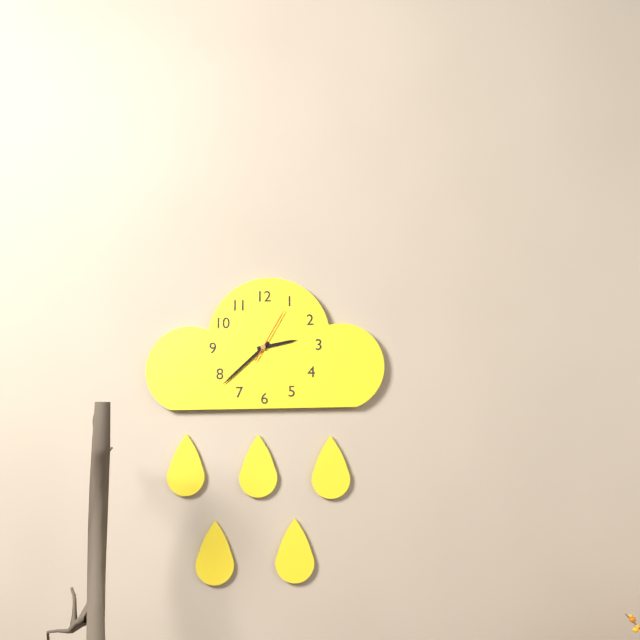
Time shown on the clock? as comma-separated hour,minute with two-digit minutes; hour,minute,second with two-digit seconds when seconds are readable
2,38,05
